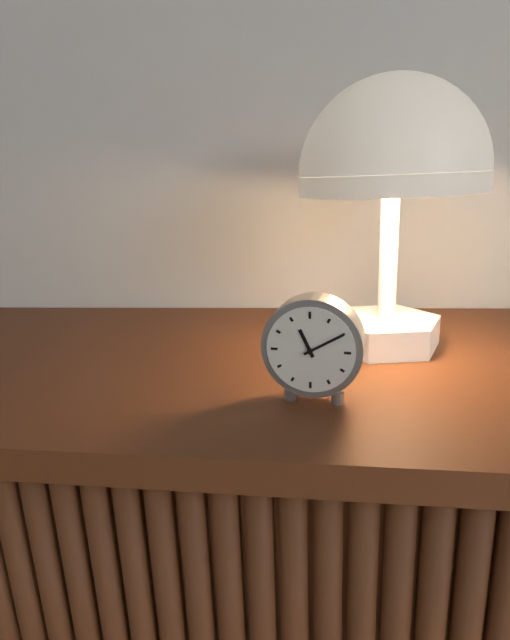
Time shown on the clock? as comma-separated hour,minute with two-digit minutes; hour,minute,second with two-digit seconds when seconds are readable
11,10
